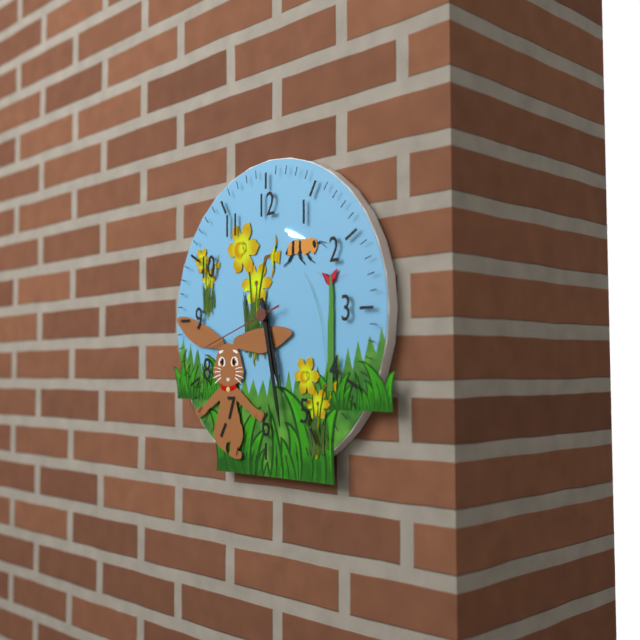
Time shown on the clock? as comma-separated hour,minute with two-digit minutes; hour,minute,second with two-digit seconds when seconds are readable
5,28,42
